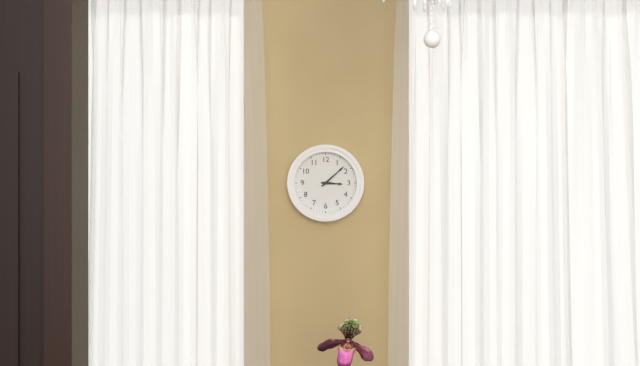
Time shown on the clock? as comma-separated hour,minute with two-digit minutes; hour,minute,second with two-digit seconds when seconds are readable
3,08
